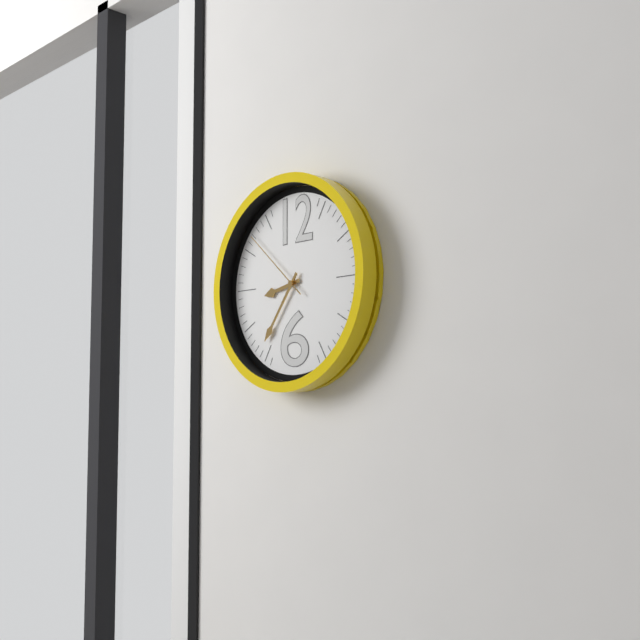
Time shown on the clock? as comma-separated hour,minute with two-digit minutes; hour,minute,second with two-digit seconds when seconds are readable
8,36,52
